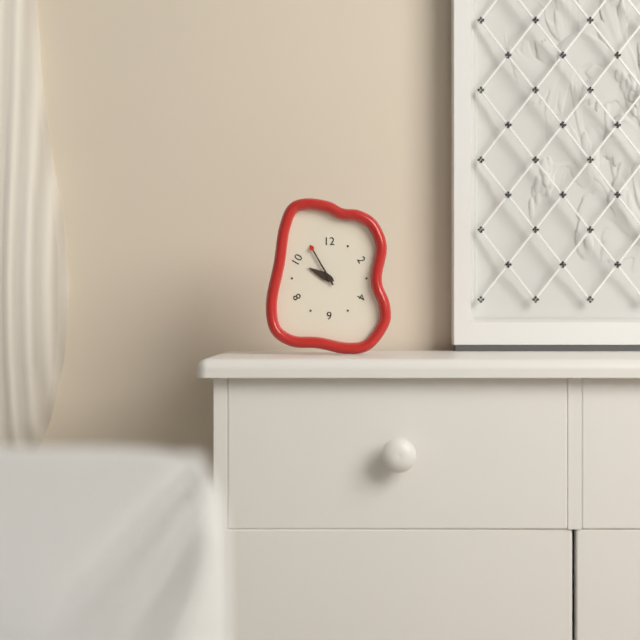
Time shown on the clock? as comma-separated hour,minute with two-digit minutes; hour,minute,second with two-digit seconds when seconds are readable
9,55
